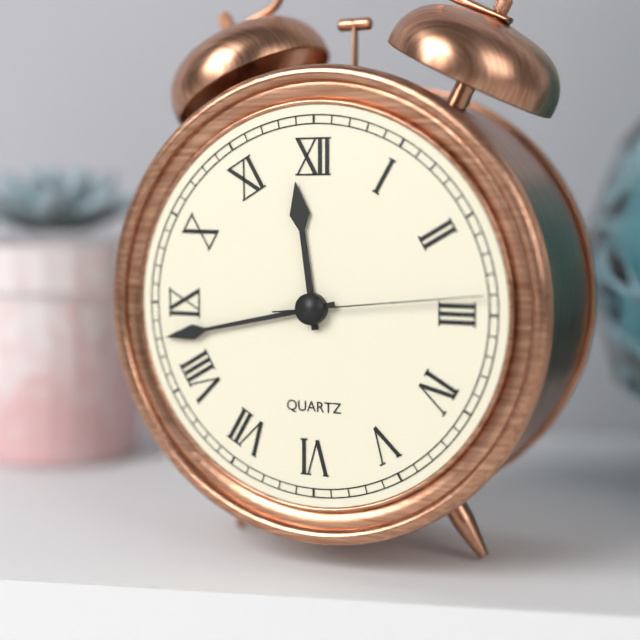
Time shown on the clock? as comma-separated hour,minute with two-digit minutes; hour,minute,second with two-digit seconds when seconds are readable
11,43,14
